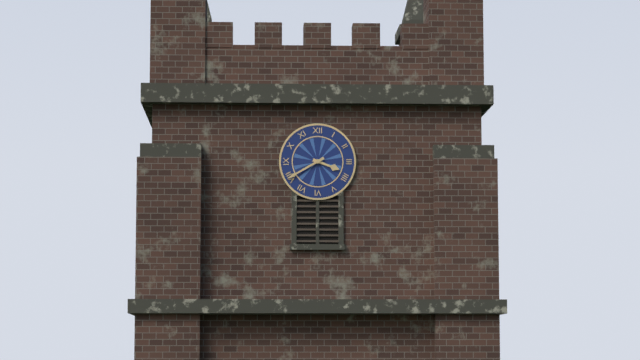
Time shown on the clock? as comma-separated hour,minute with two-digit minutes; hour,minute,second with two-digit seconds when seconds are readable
3,40
